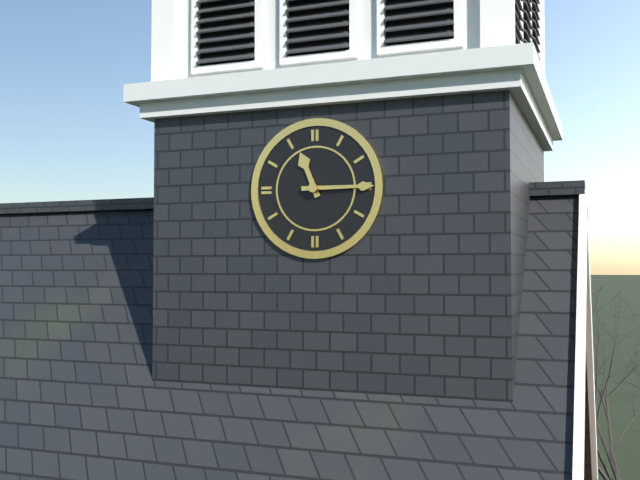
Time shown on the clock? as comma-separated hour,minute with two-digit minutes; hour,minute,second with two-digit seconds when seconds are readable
11,15
